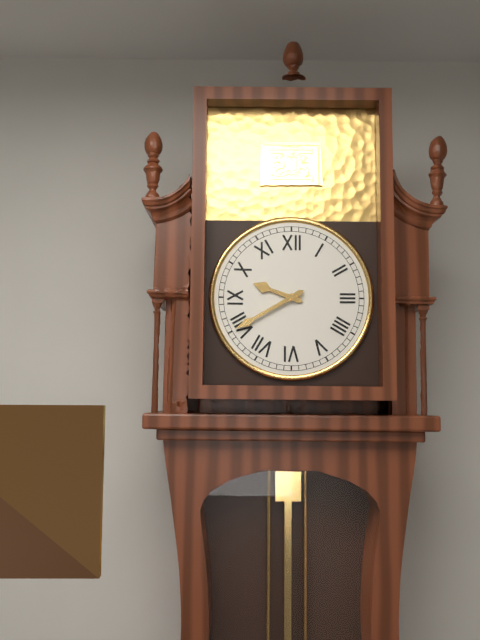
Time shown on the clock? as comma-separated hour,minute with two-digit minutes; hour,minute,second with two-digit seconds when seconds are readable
9,40
